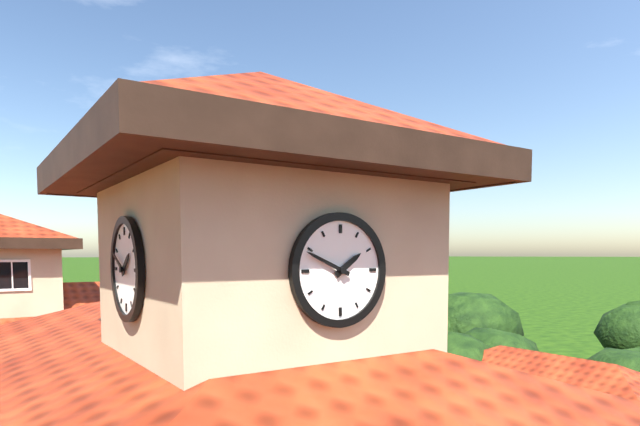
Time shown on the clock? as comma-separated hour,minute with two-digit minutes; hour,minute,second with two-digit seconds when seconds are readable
1,49
